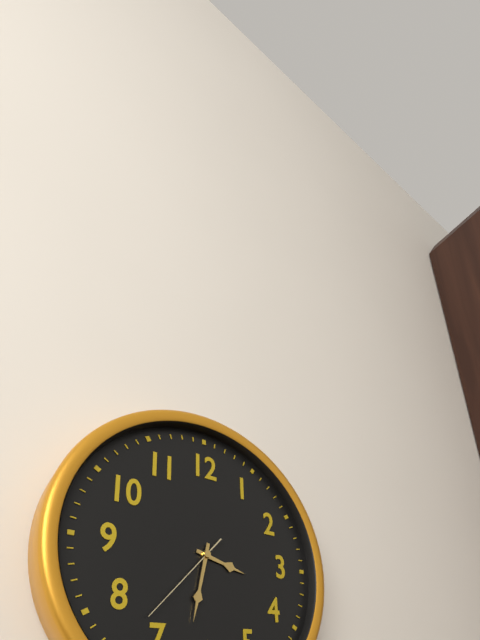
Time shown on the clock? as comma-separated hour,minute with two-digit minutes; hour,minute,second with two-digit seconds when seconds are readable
3,32,37
